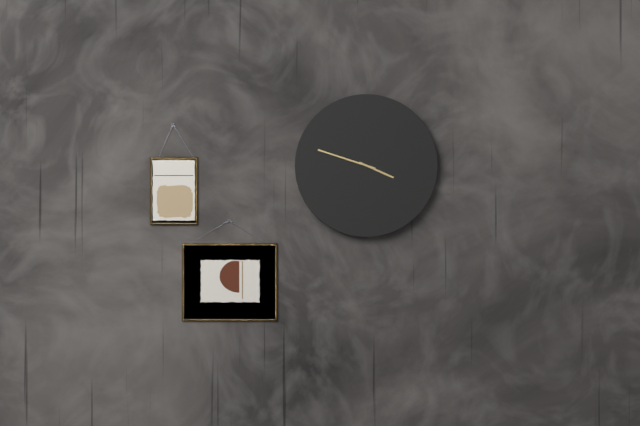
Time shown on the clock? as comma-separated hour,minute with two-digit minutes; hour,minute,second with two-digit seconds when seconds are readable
3,48
